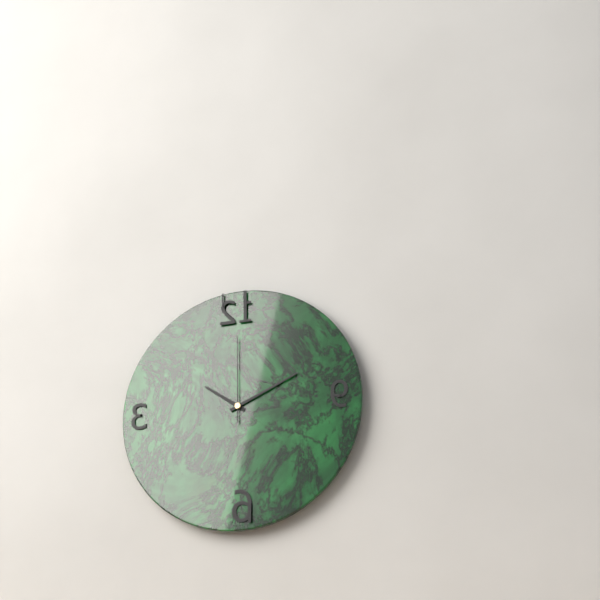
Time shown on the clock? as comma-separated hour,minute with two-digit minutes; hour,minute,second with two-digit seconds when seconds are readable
10,11,00
